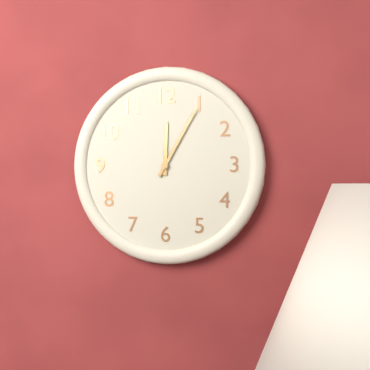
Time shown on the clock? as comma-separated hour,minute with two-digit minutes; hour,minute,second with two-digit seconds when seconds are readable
12,05
